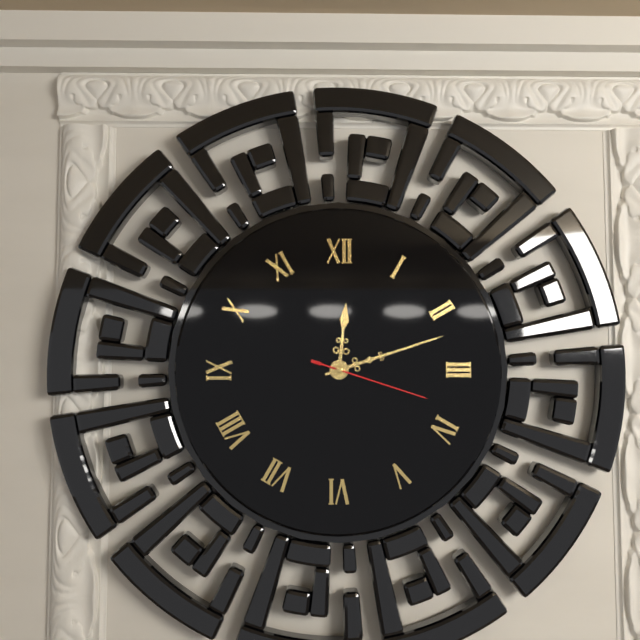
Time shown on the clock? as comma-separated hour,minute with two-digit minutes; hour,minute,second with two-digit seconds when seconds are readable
12,12,18
